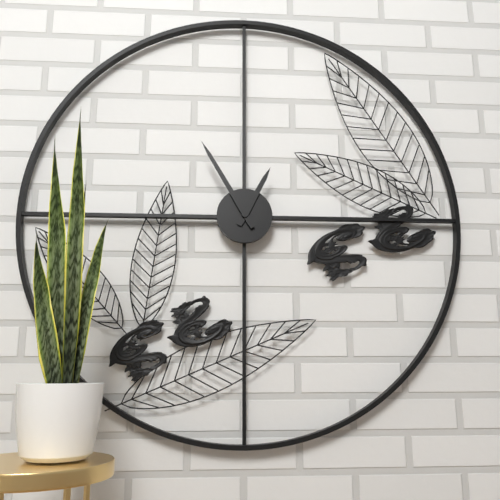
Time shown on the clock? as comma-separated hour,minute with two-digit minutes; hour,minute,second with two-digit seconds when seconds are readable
12,55
